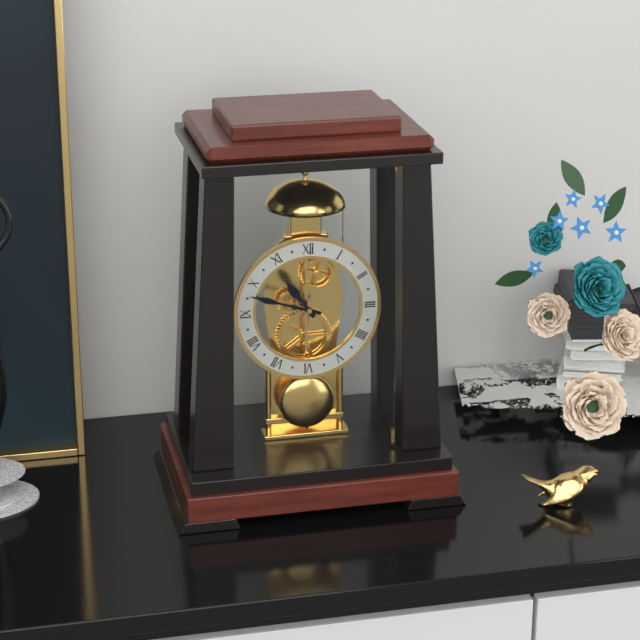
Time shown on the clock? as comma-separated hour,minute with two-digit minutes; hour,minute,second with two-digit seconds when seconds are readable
10,48
